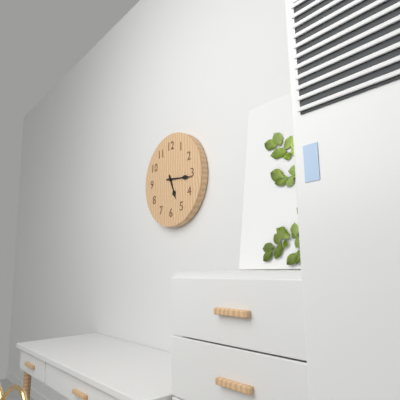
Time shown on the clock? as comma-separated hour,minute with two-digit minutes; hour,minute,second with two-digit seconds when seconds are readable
5,16
